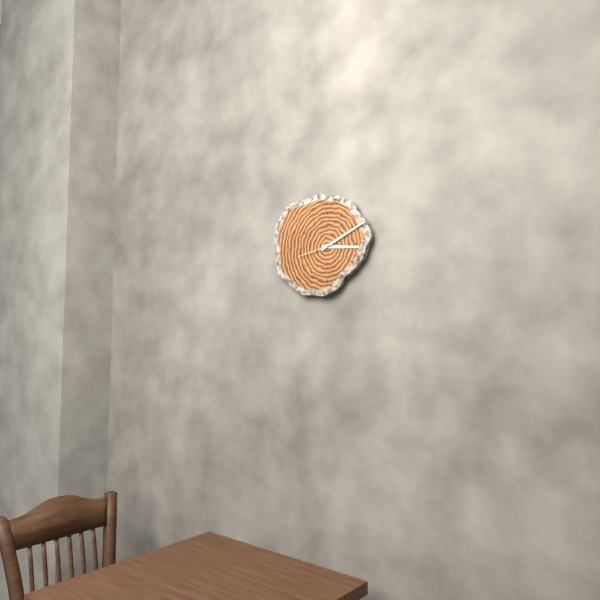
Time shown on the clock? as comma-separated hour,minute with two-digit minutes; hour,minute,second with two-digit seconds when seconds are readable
3,11
